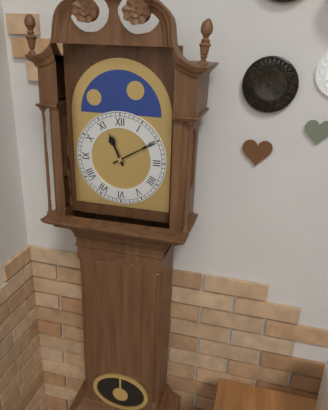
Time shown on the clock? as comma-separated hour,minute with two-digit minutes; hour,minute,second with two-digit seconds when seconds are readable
11,10
